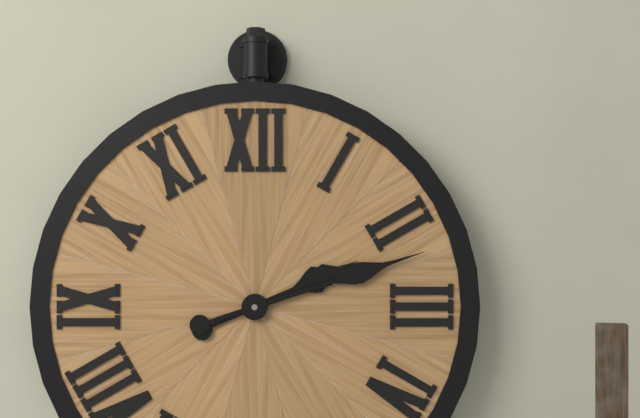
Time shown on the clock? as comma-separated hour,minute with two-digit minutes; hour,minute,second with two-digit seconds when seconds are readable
2,12
